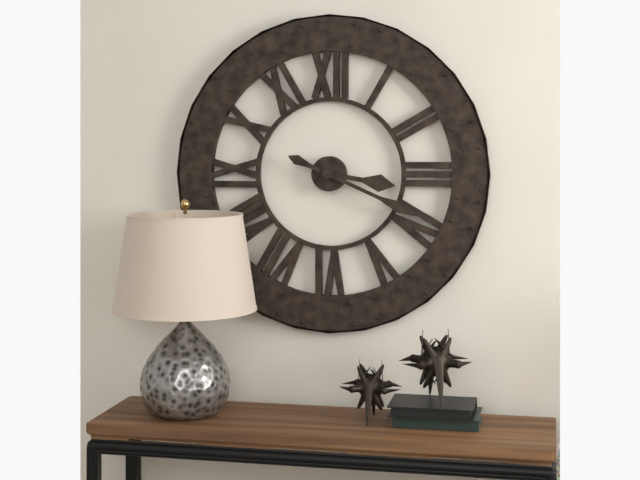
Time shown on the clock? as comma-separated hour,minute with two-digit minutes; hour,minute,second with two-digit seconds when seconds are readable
3,19
